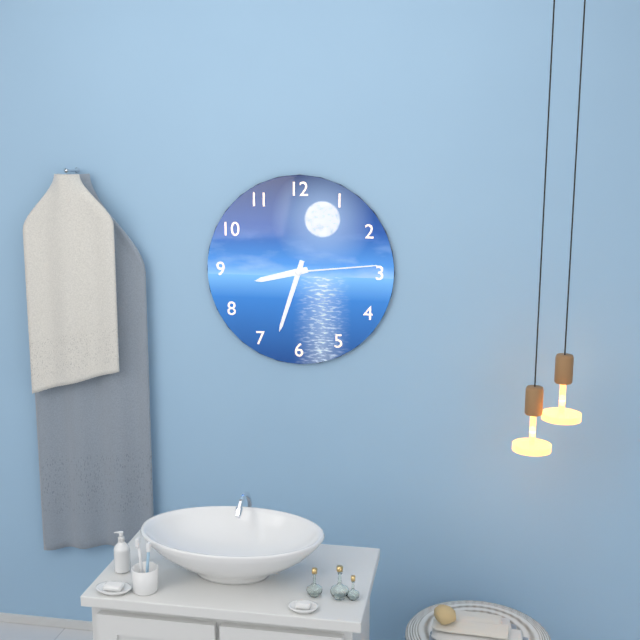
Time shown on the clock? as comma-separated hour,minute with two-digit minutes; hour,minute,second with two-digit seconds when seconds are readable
8,33,14
